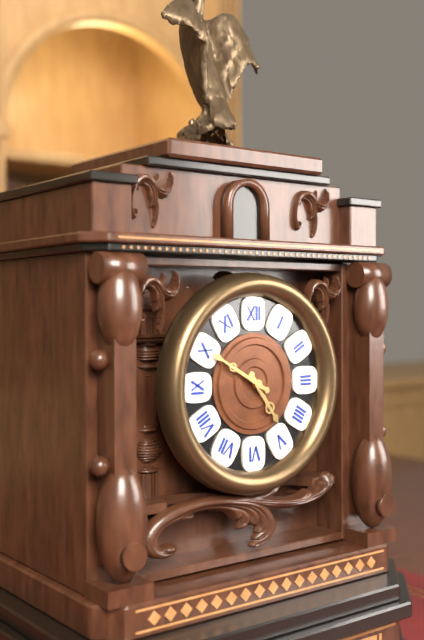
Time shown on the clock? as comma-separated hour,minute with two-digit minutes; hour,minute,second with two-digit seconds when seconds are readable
4,50
